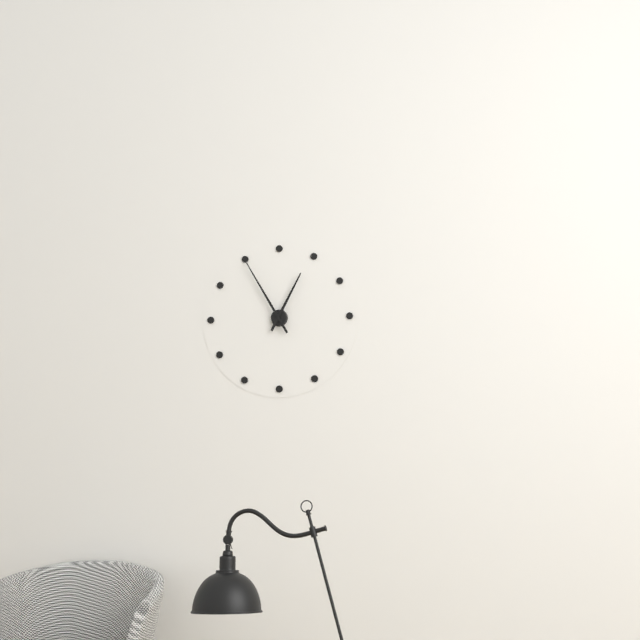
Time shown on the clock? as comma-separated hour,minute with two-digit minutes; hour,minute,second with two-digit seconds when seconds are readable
12,55
